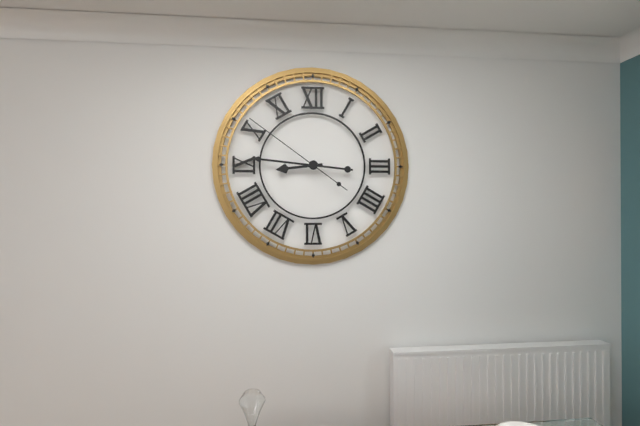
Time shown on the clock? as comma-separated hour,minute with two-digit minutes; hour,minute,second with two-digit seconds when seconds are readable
8,46,51
